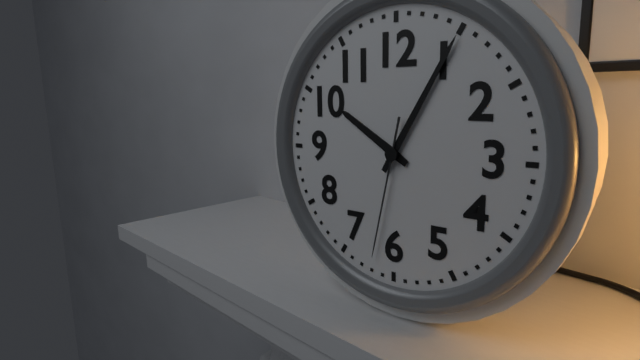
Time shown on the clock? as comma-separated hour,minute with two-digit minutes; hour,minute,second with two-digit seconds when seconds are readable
10,05,32
